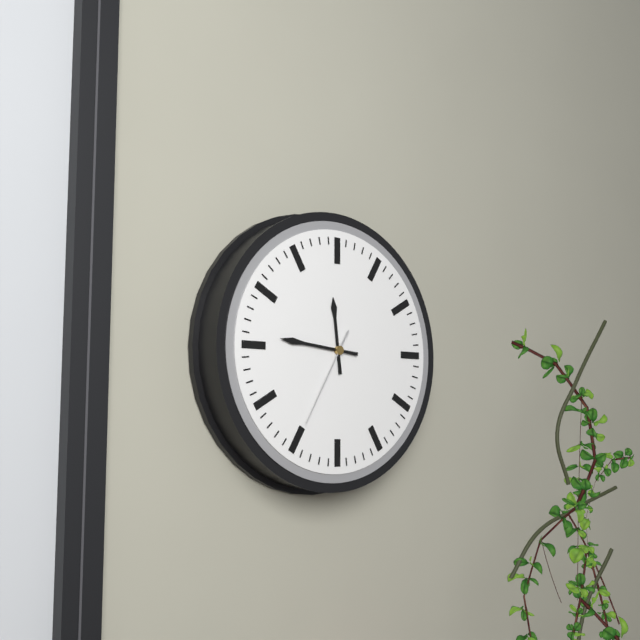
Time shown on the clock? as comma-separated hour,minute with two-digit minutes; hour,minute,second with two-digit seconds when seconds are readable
11,46,35
